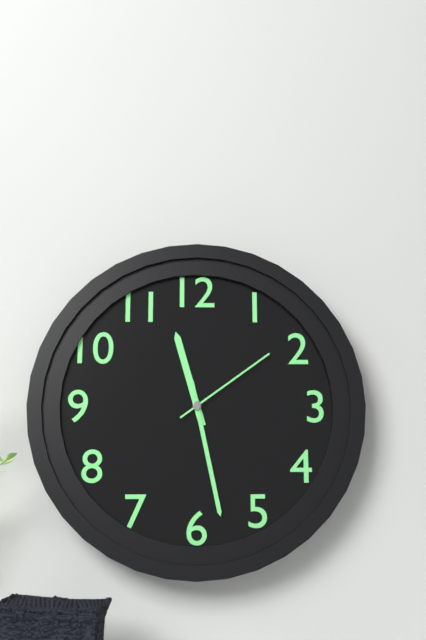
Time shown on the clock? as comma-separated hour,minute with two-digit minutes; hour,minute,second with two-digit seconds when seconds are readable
11,28,09
